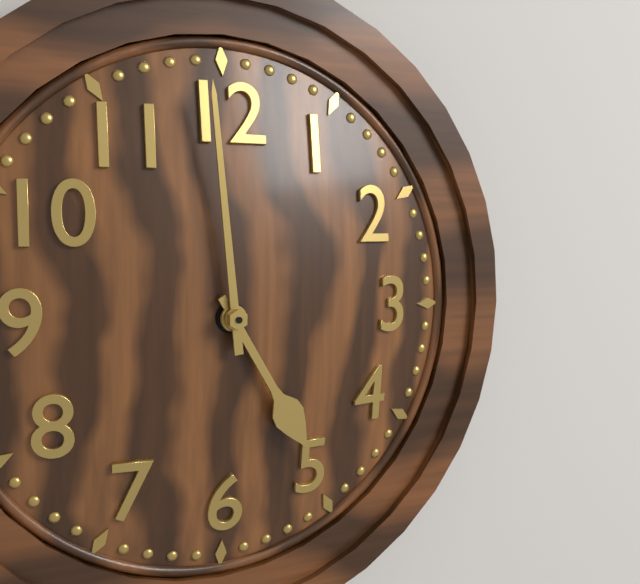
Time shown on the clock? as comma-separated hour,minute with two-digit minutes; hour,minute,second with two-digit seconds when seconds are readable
4,59
